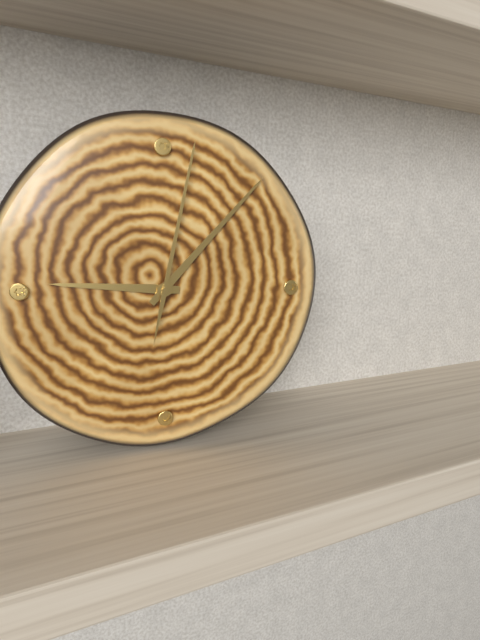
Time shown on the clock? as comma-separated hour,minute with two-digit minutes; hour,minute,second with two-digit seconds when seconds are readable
9,07,02
